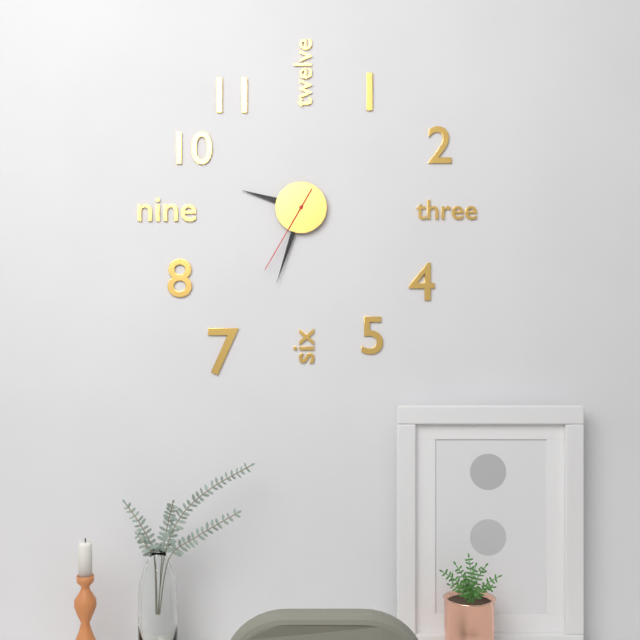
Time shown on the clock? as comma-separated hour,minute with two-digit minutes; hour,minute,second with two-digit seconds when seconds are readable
9,33,35
